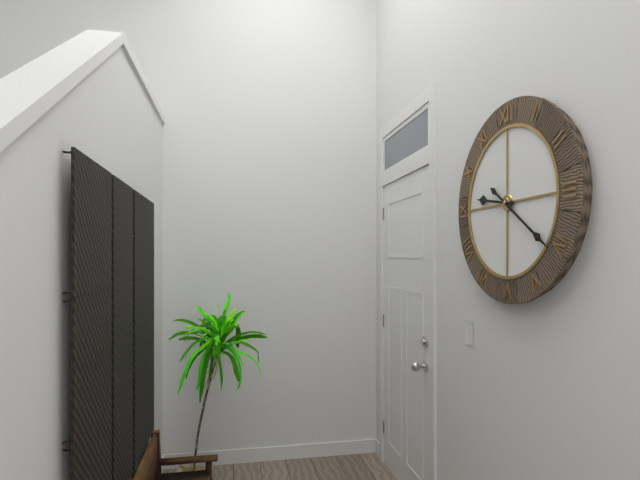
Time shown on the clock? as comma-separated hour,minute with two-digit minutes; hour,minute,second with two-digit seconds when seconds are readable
9,21
